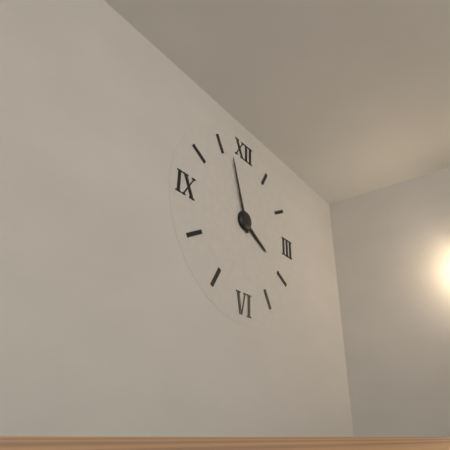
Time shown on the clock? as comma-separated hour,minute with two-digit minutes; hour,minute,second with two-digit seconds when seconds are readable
3,57
